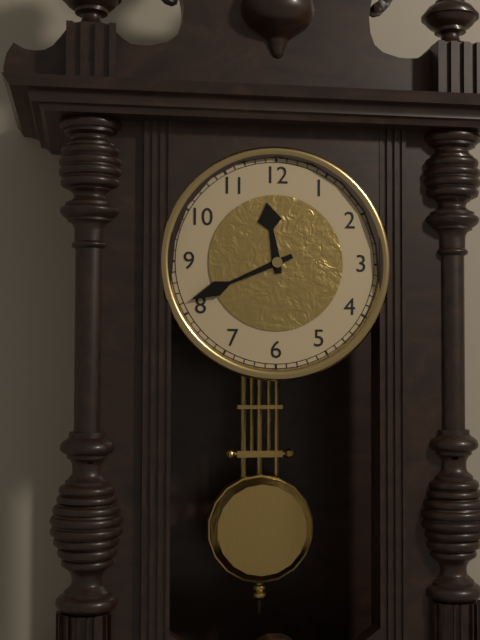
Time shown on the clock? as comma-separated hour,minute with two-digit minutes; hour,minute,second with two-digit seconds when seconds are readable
11,41
